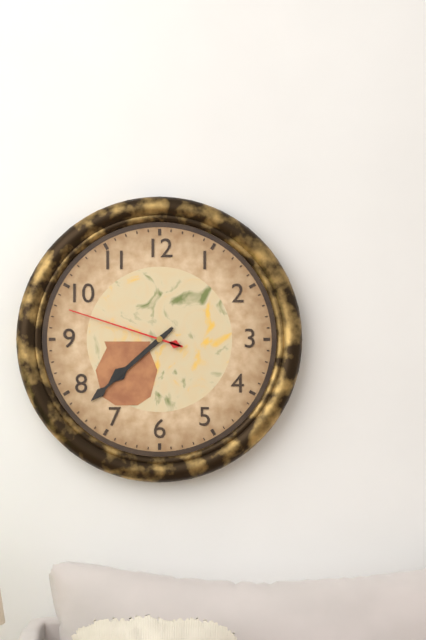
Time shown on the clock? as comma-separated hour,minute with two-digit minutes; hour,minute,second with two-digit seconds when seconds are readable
7,38,48
